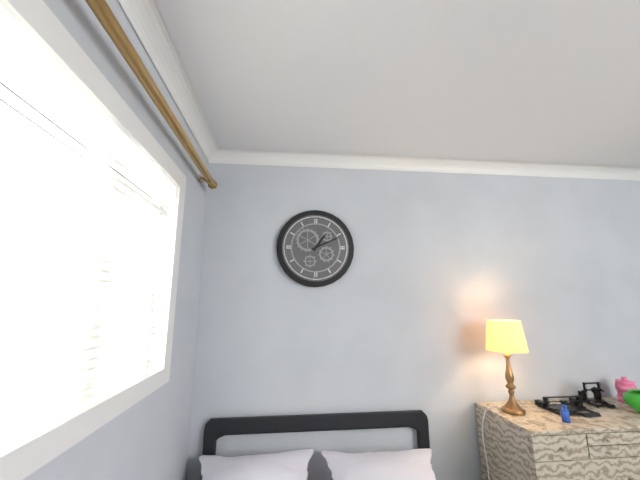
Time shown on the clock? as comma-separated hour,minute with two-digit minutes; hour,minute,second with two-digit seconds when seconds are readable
1,11
